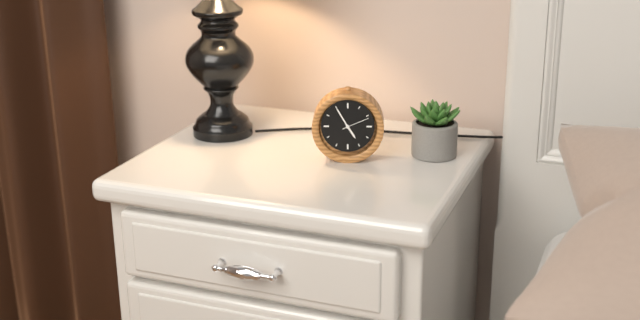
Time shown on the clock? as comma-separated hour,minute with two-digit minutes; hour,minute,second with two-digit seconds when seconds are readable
4,55
